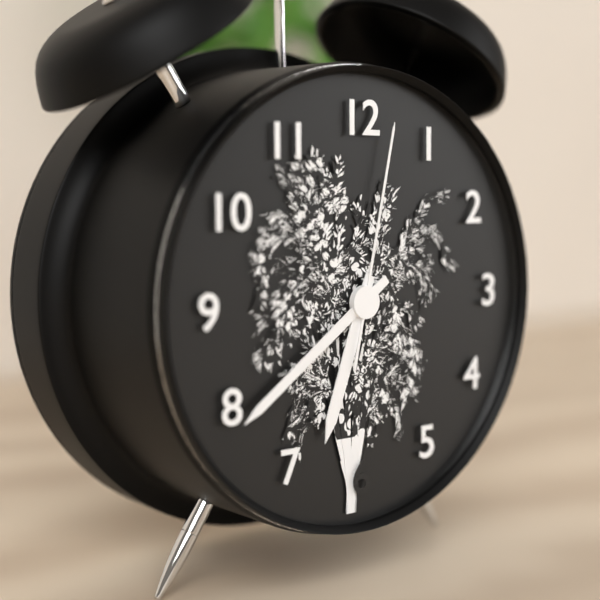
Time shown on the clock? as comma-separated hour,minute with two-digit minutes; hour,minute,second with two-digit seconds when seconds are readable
6,39,02
